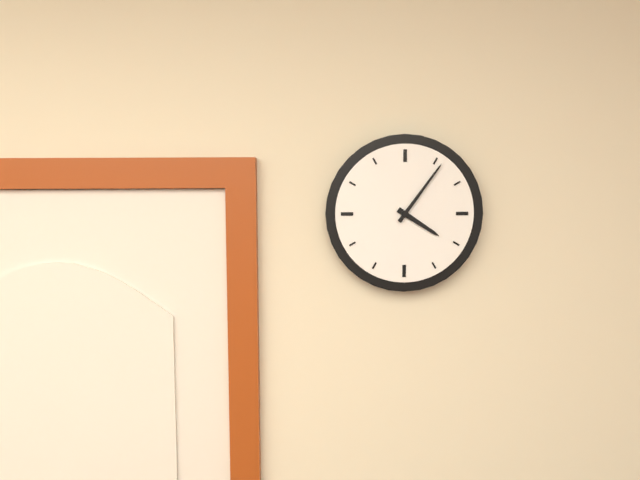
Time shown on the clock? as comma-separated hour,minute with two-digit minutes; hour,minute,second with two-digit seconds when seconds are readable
4,06
